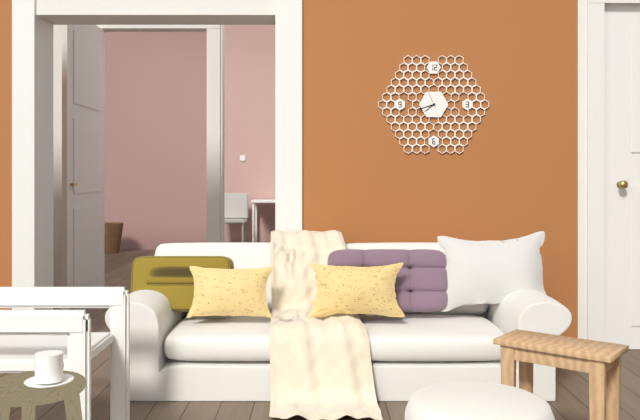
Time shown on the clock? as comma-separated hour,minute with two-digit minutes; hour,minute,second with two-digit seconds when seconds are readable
7,42
